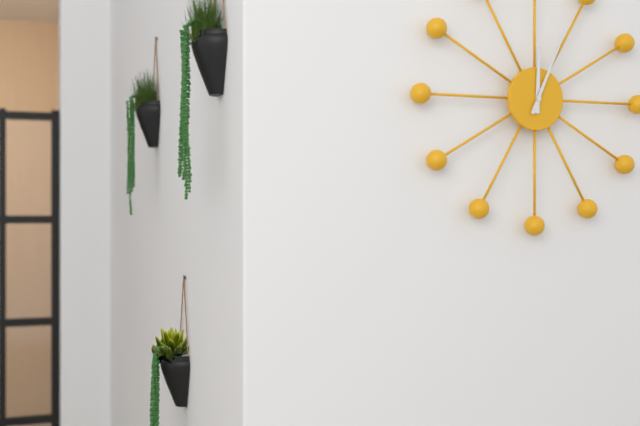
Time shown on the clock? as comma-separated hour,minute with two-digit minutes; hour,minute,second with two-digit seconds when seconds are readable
12,04
